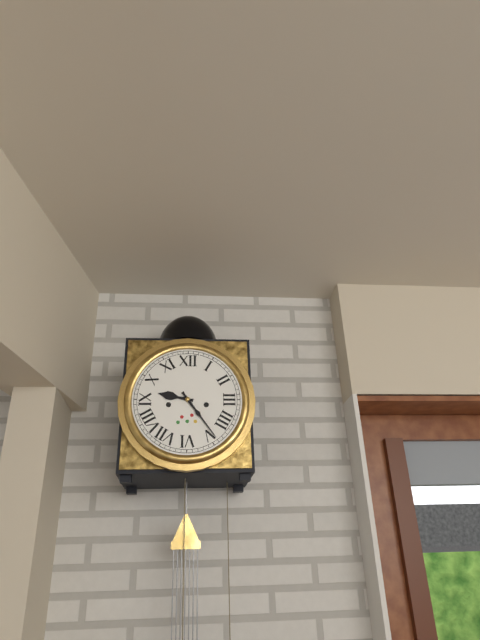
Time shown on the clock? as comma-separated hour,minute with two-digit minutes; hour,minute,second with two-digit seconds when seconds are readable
9,24
